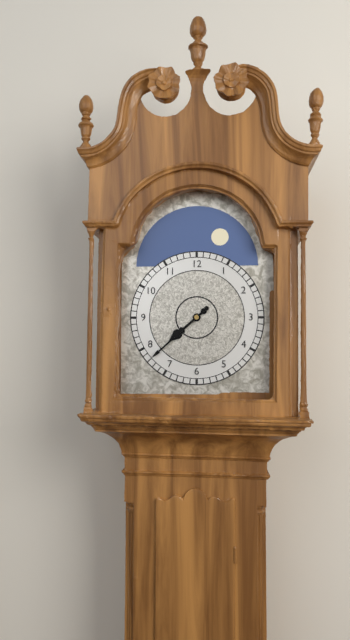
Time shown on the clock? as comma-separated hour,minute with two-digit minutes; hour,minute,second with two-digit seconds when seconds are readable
7,38
